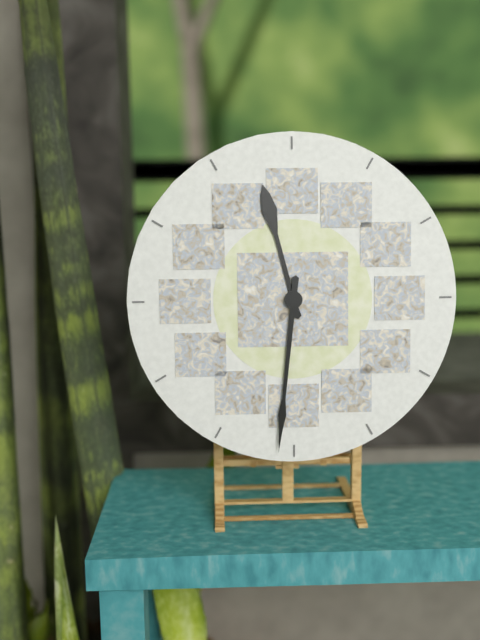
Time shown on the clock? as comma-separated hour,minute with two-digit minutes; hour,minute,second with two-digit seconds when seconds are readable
11,31
